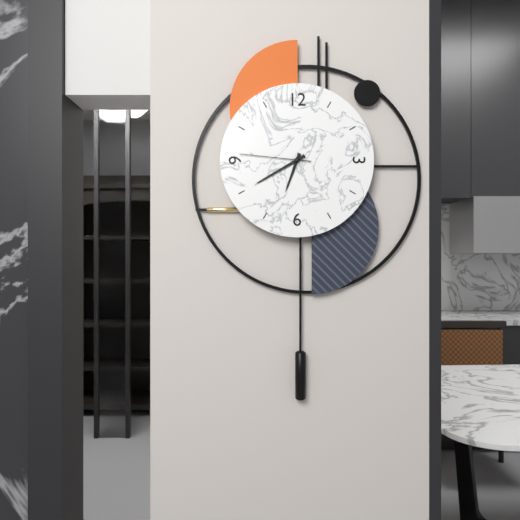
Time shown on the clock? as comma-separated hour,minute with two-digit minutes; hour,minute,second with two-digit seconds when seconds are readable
6,40,46
